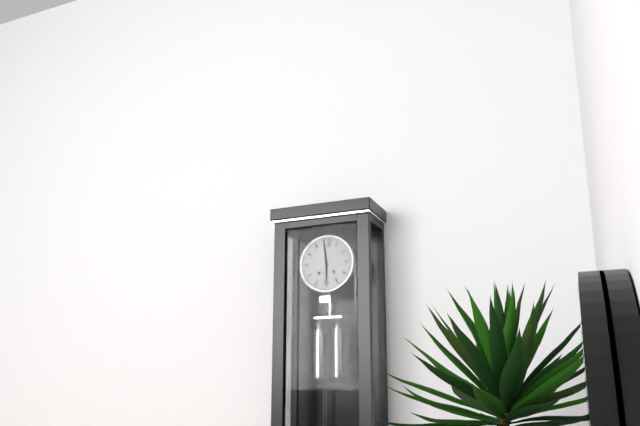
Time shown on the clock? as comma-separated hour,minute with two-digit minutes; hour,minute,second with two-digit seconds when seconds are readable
5,59
